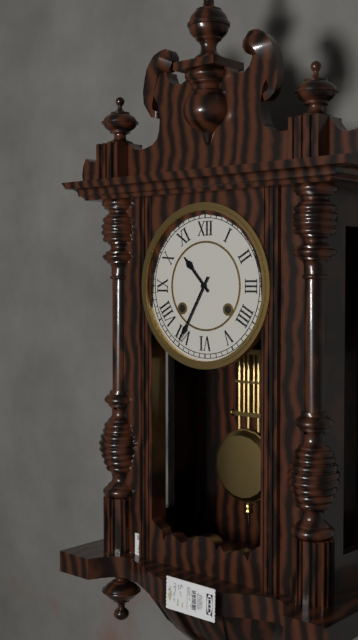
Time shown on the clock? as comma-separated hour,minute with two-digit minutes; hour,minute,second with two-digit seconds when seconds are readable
10,35
